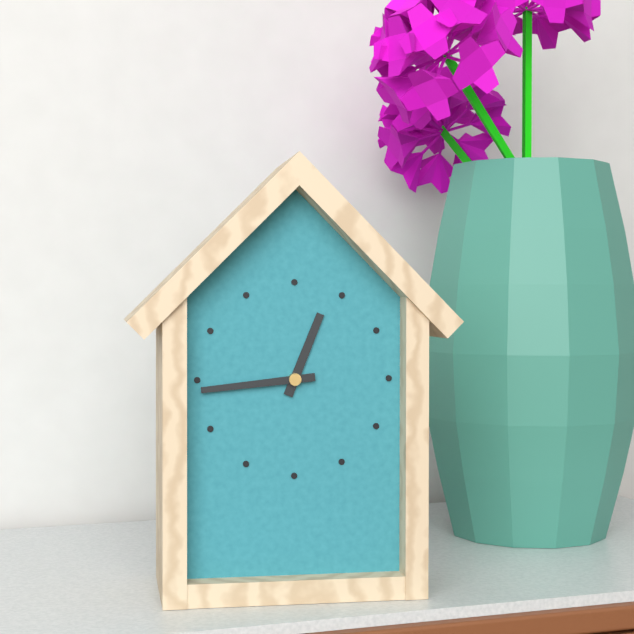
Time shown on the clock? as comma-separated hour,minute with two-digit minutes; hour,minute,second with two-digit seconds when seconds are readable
12,44
